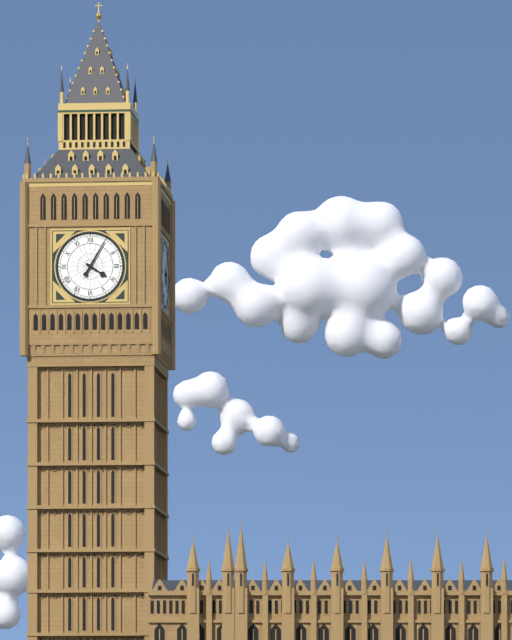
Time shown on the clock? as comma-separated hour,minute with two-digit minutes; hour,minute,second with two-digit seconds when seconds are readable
4,05
